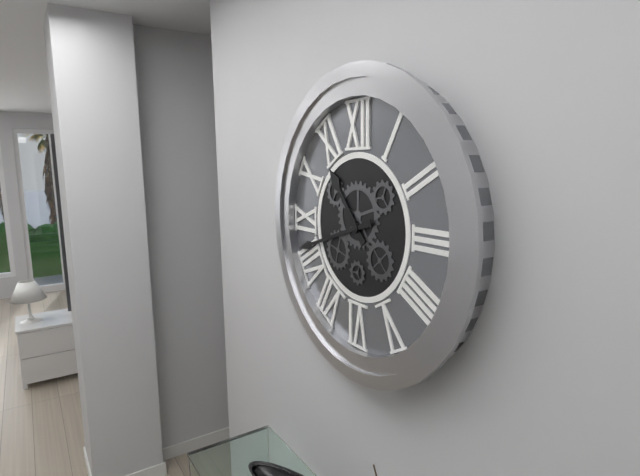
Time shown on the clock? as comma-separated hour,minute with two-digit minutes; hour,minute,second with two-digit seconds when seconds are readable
10,42
